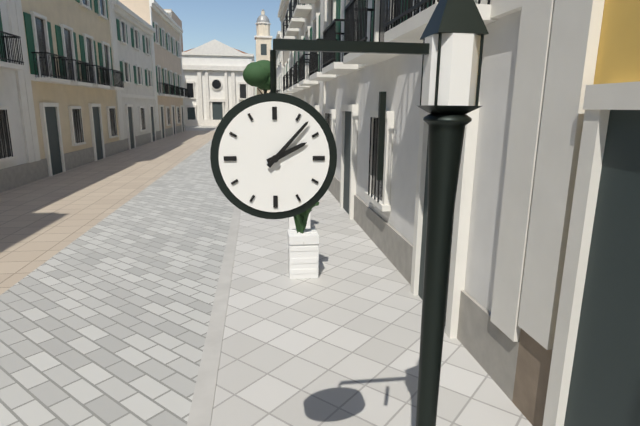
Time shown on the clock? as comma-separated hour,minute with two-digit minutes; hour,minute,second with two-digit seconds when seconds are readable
2,07
